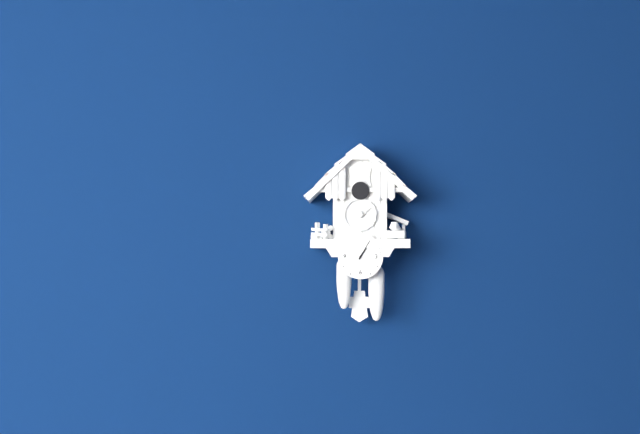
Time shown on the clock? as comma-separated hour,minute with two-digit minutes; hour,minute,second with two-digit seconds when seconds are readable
1,05
